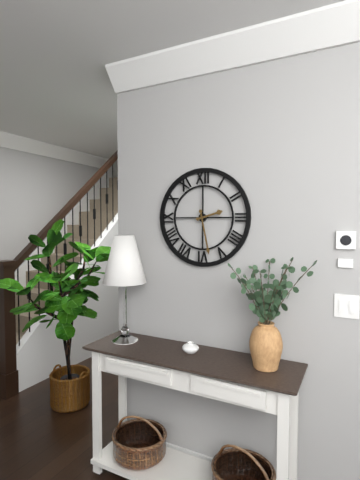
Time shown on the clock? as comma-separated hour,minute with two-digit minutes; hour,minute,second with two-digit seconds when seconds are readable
2,28
